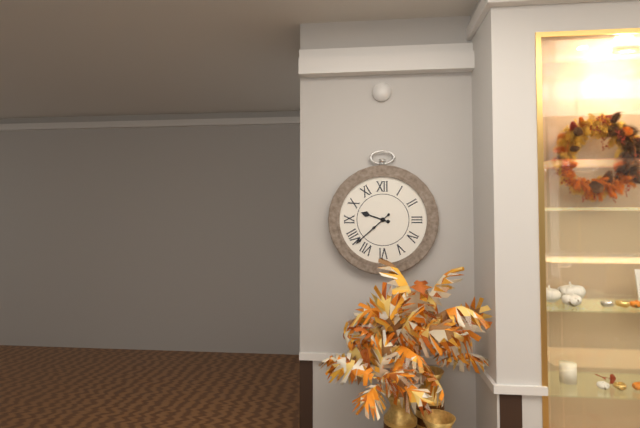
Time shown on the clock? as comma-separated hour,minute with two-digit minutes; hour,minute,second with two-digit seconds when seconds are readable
9,38
